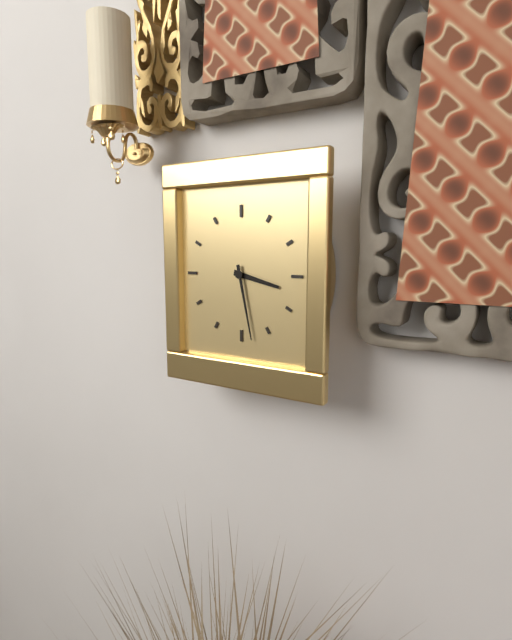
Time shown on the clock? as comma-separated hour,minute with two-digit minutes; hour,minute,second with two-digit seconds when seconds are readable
3,28
